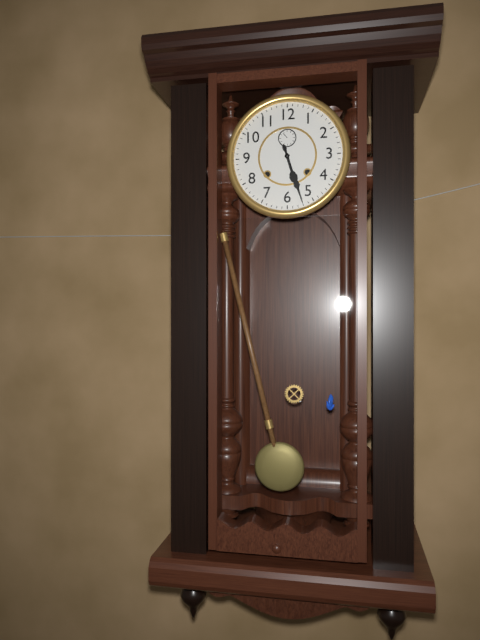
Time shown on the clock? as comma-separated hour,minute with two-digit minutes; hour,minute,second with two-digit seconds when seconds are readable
5,27
